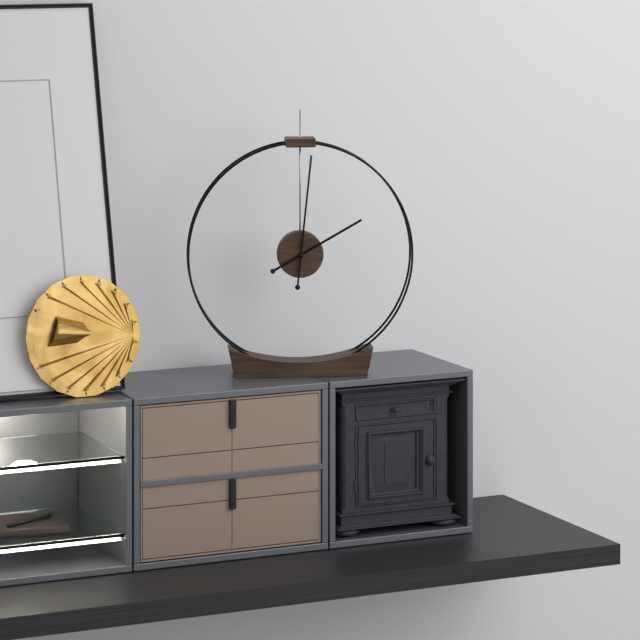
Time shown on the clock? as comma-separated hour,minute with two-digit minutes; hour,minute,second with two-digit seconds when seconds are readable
2,01
